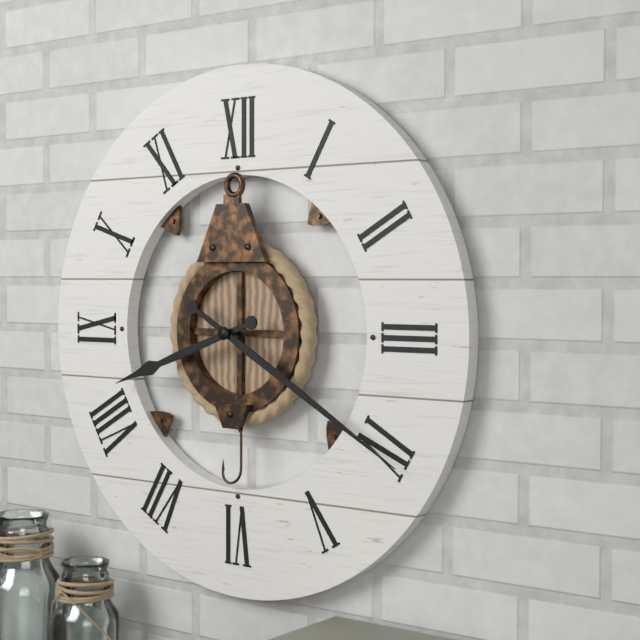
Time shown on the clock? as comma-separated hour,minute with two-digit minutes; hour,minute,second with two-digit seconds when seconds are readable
8,20
